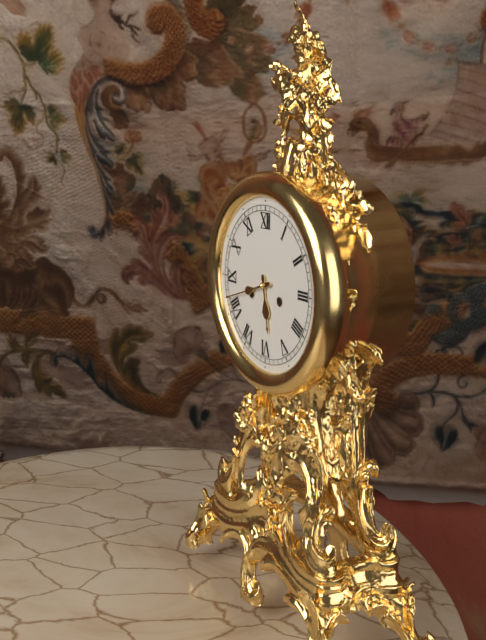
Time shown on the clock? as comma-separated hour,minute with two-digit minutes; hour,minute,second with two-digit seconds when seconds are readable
5,42
